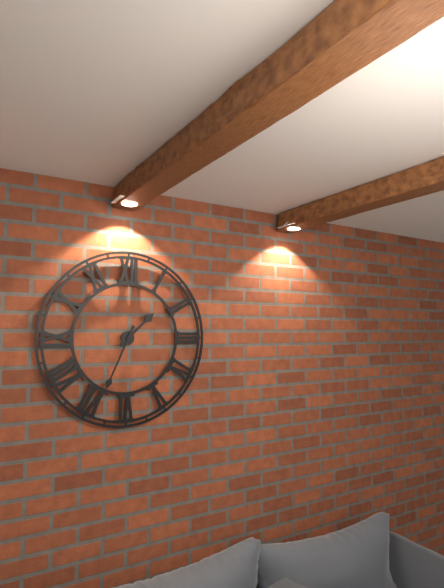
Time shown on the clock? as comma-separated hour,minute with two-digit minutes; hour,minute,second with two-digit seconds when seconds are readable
1,34
